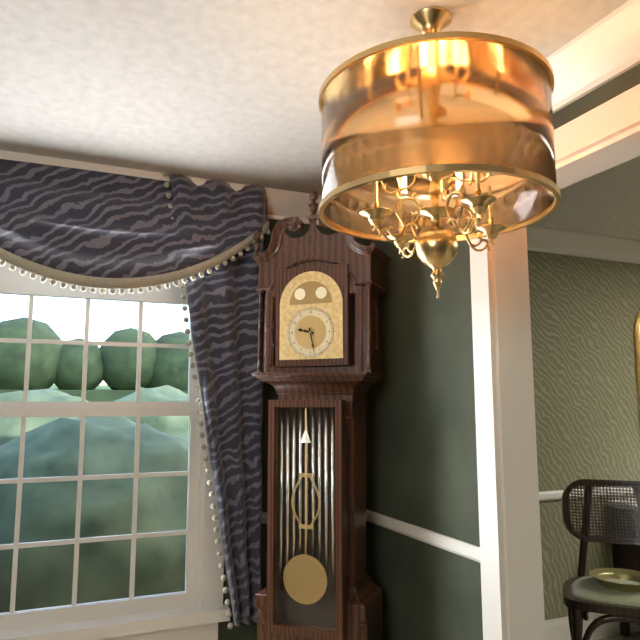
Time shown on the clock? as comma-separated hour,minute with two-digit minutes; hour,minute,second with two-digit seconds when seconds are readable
9,28
